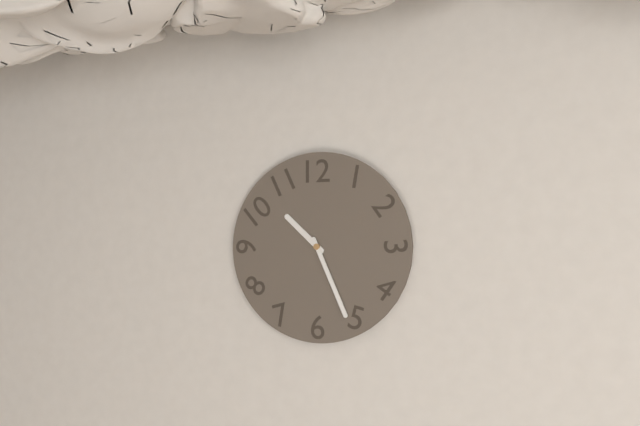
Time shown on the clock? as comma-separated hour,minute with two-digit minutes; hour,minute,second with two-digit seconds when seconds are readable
10,26
